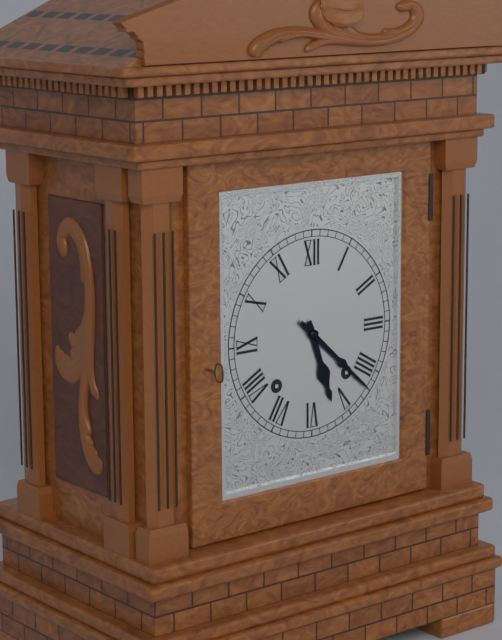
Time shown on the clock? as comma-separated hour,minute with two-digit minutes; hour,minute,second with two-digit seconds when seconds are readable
5,22
